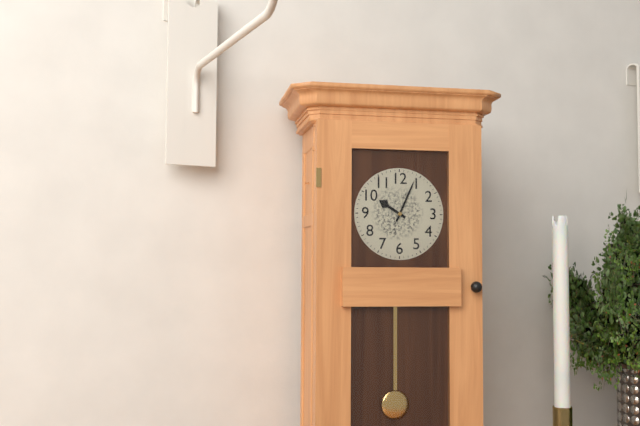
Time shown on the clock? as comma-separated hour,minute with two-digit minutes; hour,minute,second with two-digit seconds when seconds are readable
10,04
